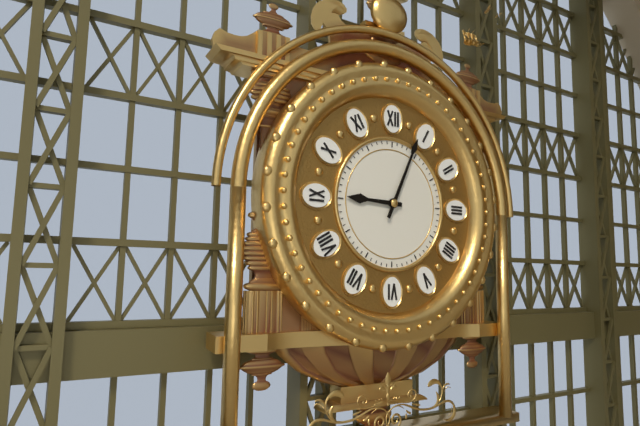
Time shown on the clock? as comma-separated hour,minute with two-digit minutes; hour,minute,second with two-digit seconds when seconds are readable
9,04
